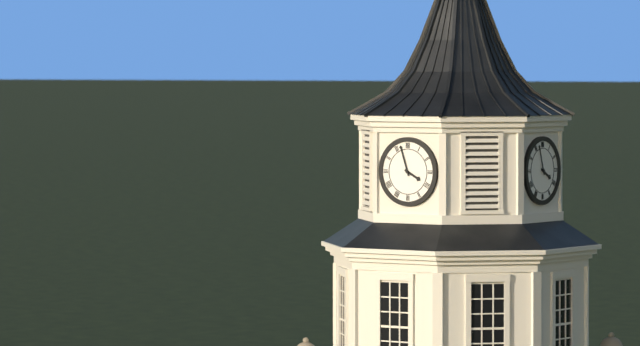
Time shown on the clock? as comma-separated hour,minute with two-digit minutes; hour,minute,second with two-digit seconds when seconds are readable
3,57
